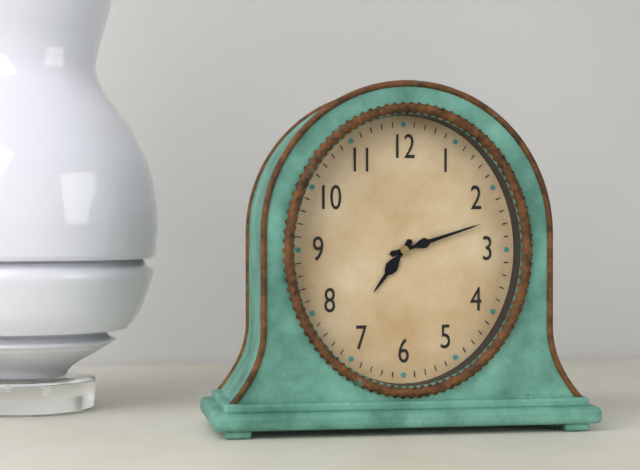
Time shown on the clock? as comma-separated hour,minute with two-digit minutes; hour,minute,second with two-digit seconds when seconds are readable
7,12
